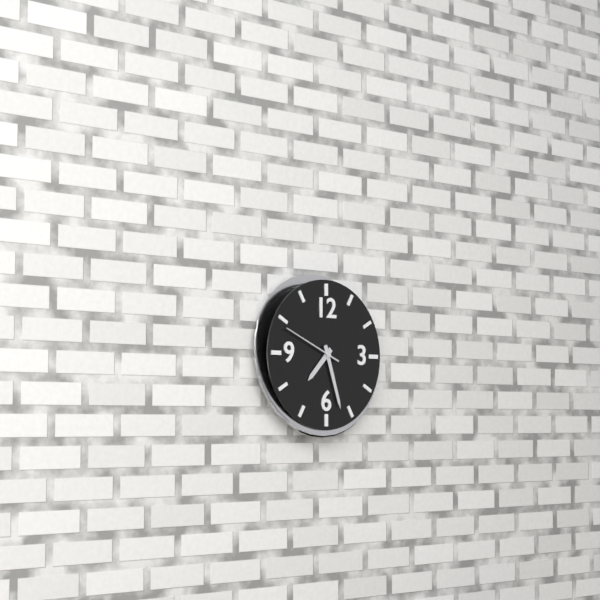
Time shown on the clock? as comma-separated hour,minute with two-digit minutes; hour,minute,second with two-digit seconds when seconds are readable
7,27,49
